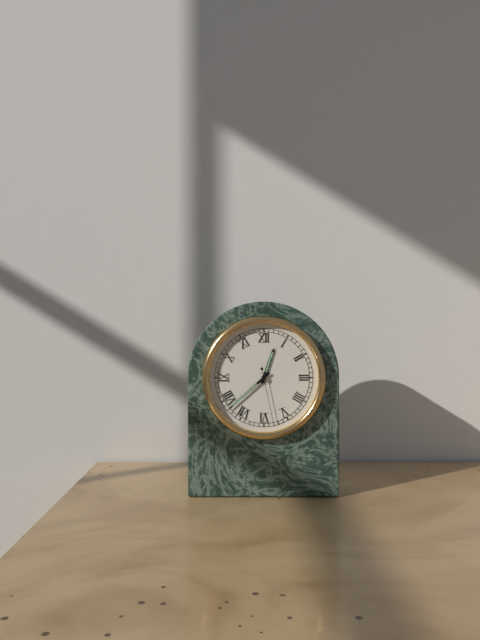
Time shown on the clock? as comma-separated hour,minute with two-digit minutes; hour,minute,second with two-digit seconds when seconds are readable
12,38,28
